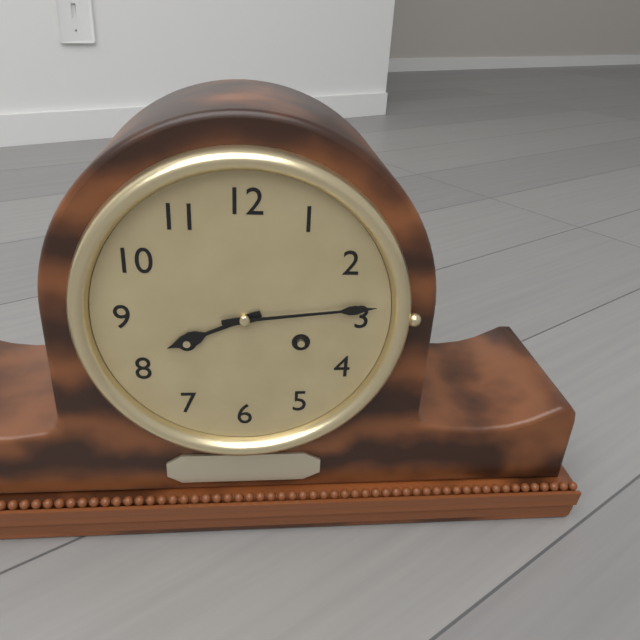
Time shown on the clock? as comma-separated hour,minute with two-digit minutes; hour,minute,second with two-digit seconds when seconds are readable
8,14
